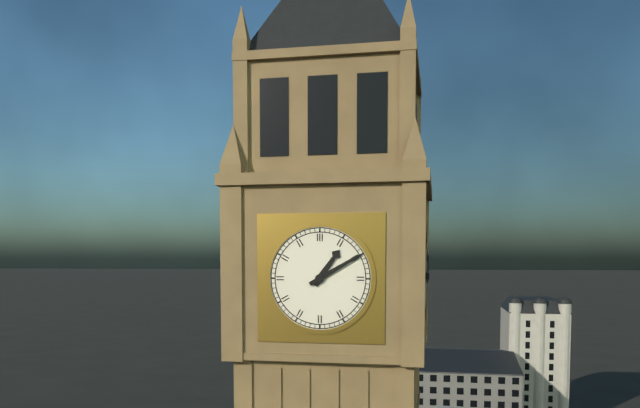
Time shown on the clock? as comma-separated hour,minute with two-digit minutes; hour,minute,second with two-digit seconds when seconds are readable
1,10
